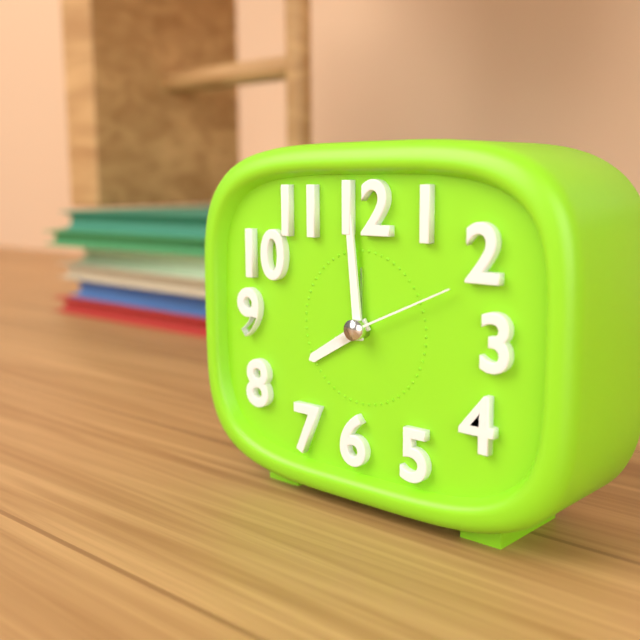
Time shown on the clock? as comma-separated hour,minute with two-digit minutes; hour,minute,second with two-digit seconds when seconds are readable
7,59,11
